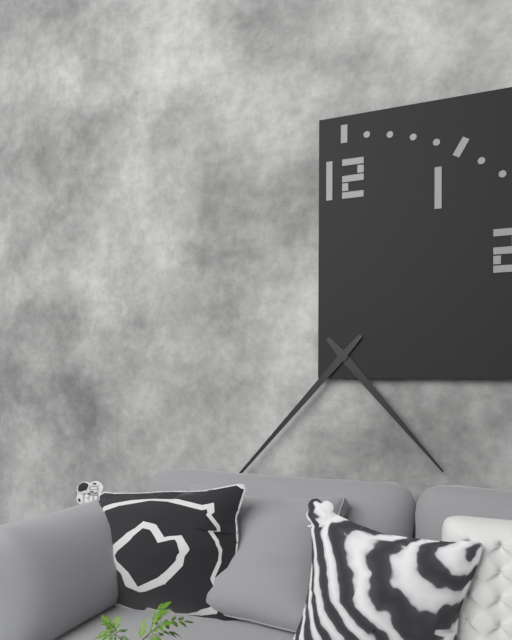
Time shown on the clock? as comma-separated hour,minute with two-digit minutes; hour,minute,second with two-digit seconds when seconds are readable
4,37
